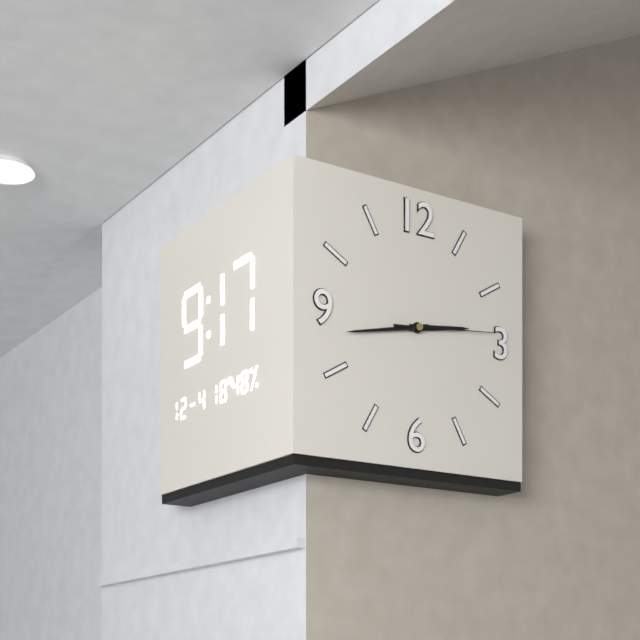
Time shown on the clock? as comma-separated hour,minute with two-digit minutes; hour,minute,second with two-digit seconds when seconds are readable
2,43,14
